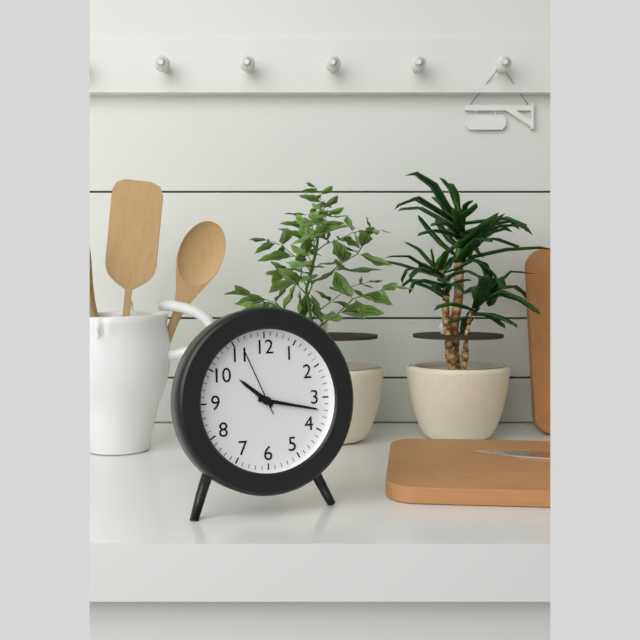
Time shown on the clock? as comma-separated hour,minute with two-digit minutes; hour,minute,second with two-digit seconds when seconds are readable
10,17,56
